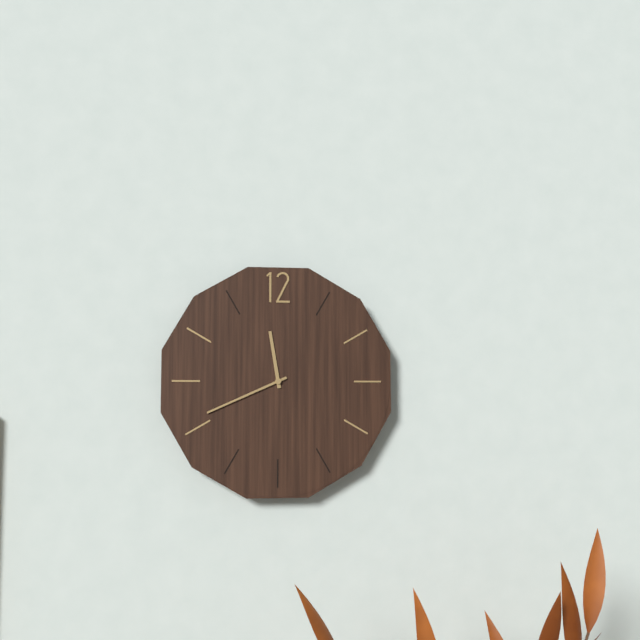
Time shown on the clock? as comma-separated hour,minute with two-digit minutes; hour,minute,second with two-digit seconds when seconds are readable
11,41
